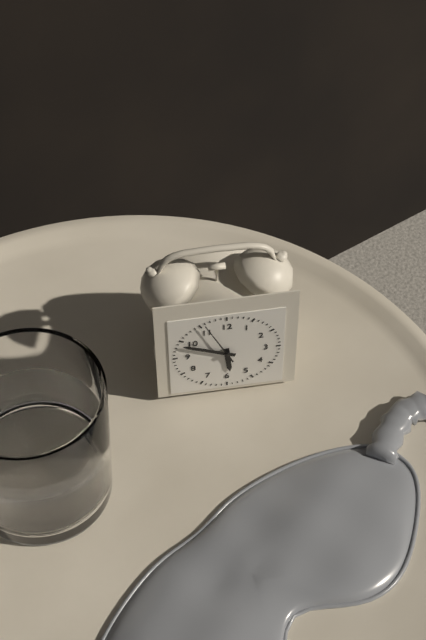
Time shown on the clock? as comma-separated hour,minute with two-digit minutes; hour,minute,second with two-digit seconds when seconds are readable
5,49
